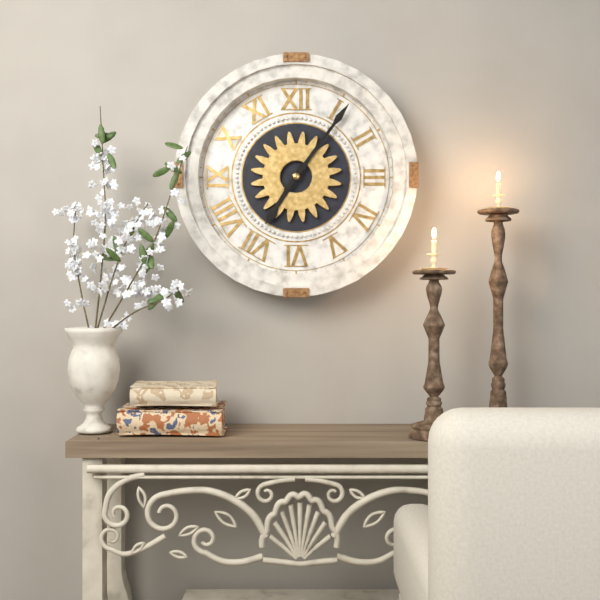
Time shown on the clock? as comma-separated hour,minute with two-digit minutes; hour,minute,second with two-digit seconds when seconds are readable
7,06
